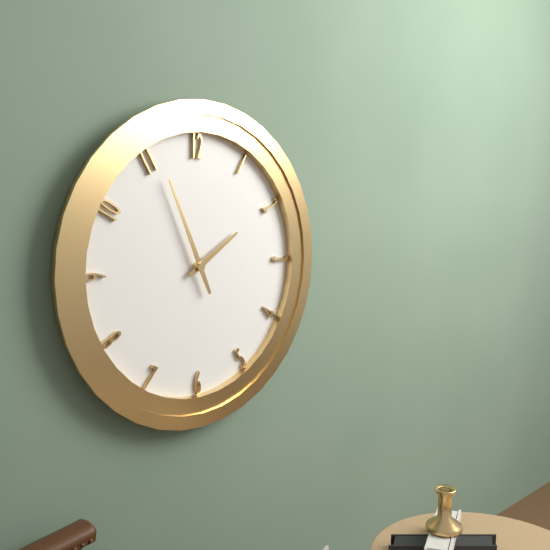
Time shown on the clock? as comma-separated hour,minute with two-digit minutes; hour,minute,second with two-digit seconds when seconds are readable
1,56
